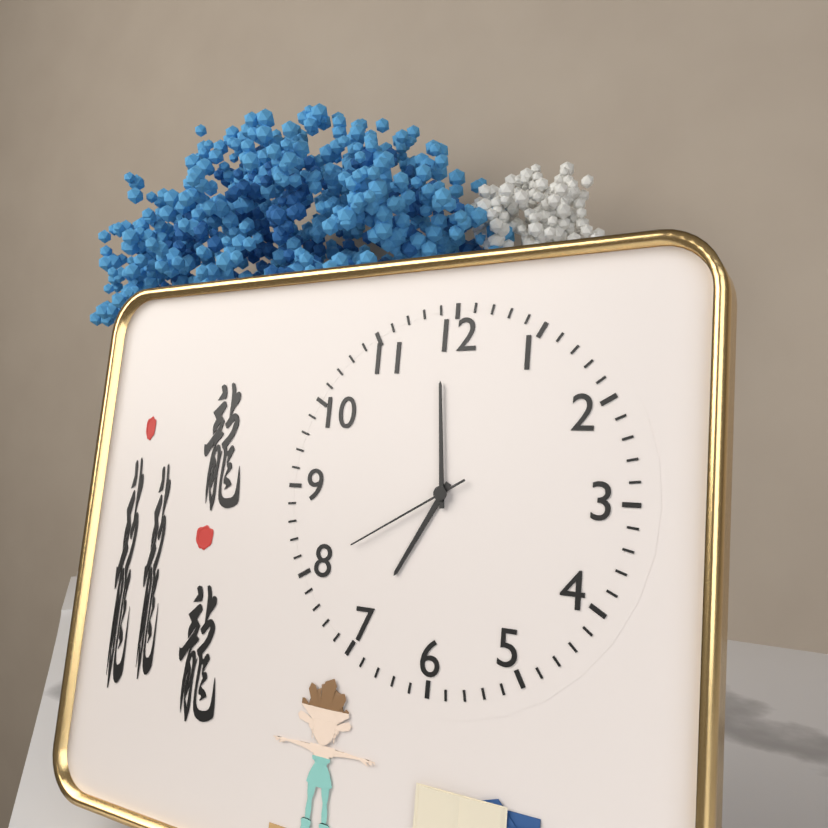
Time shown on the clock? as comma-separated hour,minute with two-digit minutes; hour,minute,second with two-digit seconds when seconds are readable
6,59,40
